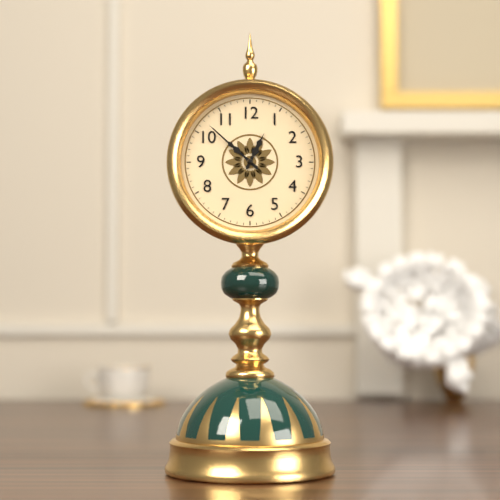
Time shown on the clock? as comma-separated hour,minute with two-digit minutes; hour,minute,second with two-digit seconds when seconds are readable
12,52
